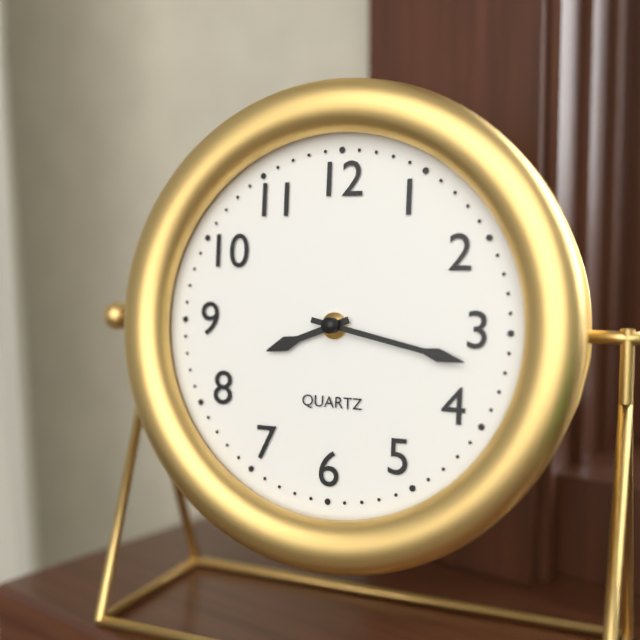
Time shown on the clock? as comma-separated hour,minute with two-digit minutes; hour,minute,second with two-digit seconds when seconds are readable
8,17
